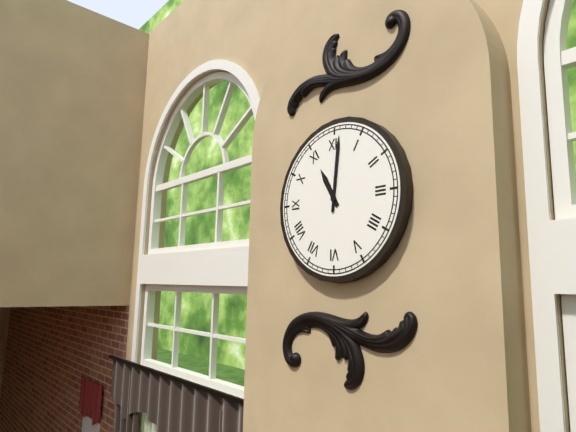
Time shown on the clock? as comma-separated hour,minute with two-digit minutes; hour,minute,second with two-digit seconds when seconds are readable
11,01
